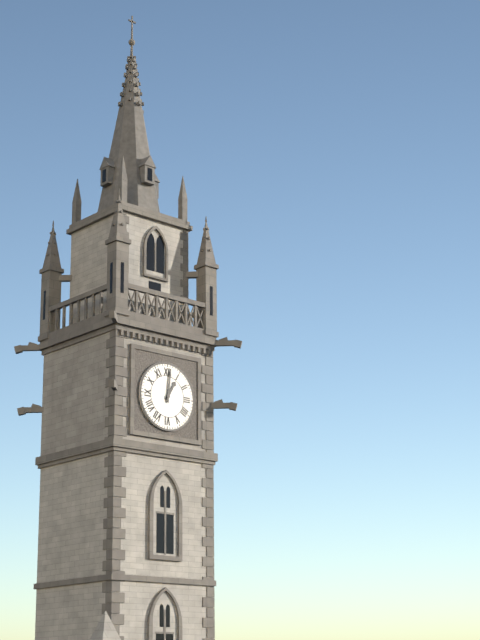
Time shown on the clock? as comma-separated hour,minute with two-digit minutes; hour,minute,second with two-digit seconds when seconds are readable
1,01
